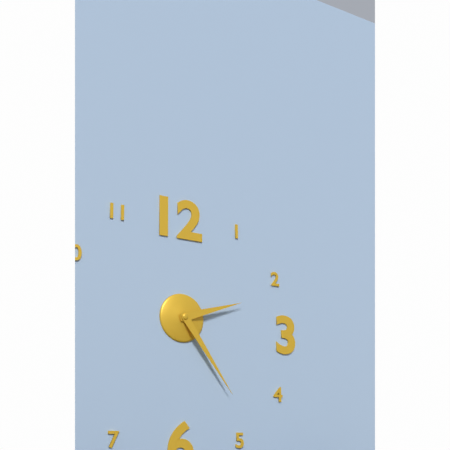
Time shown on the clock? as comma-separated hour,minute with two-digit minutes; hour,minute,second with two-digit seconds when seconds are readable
2,24
